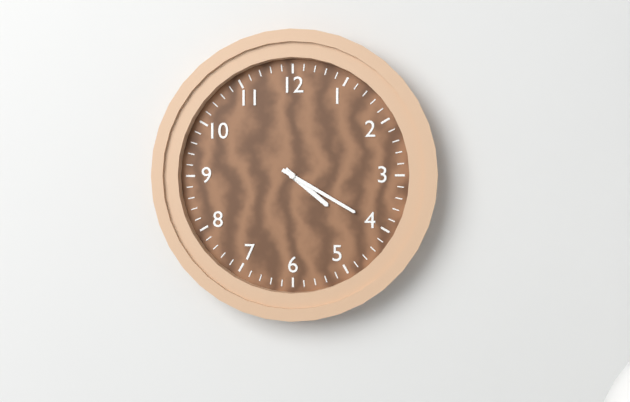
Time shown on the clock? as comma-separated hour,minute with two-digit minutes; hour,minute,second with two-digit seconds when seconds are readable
4,20
